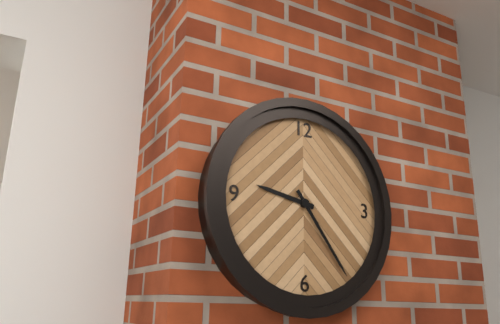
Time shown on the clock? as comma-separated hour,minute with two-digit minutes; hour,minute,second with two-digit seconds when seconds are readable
9,24
